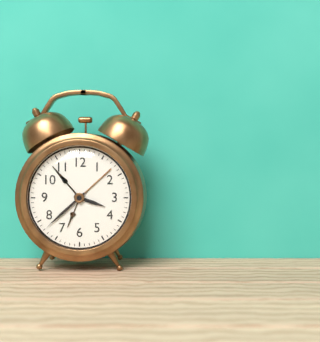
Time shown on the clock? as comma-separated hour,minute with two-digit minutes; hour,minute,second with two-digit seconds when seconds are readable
3,38
